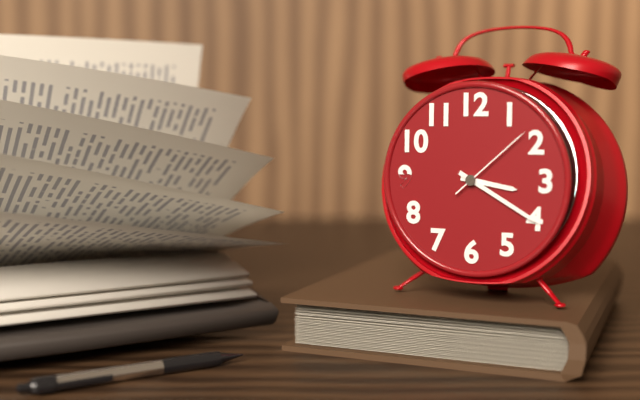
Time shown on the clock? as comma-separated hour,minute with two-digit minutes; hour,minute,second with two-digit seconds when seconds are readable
3,20,08
